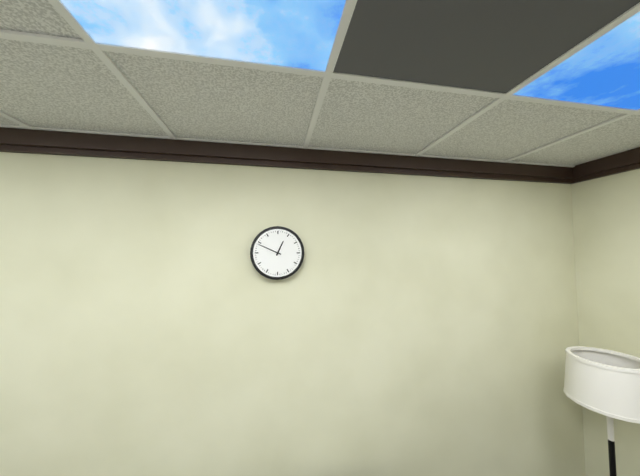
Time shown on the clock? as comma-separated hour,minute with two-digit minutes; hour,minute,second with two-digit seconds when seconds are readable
12,49
